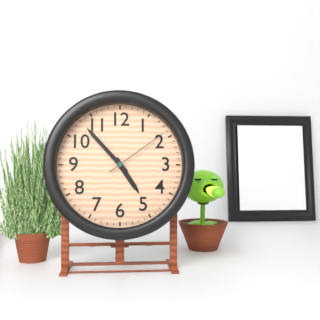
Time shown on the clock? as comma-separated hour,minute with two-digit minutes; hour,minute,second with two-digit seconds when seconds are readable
4,53,09
